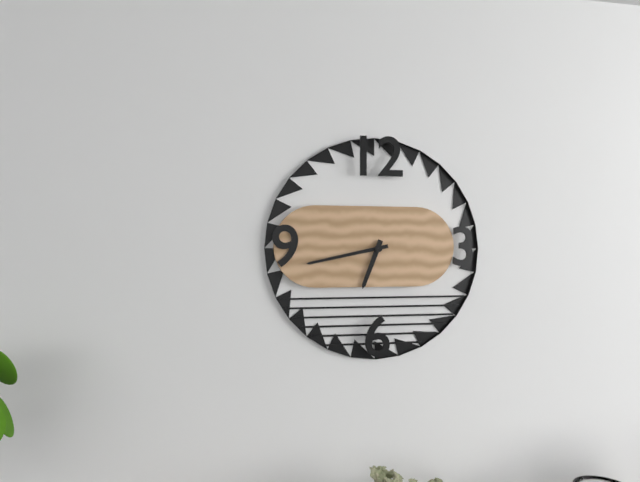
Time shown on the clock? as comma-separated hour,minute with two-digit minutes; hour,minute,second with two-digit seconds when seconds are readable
6,43
